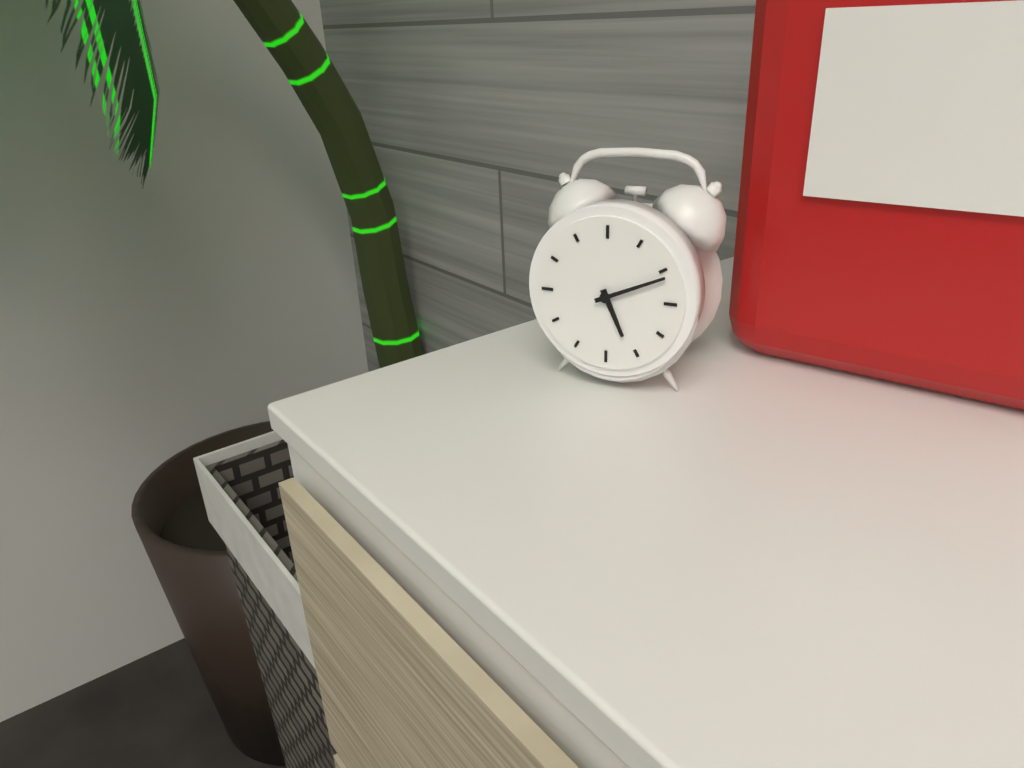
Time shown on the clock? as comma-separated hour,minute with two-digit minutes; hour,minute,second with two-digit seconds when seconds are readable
5,11
